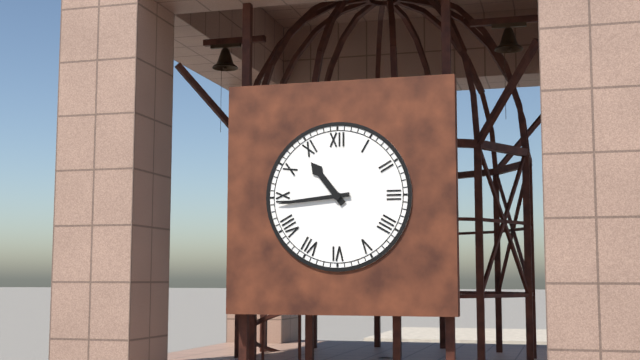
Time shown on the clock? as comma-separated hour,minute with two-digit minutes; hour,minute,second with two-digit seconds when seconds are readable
10,44
